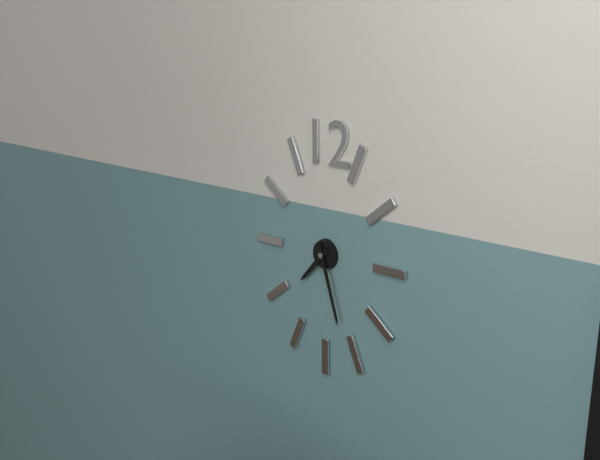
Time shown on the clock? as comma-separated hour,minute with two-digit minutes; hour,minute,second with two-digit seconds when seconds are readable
7,27
